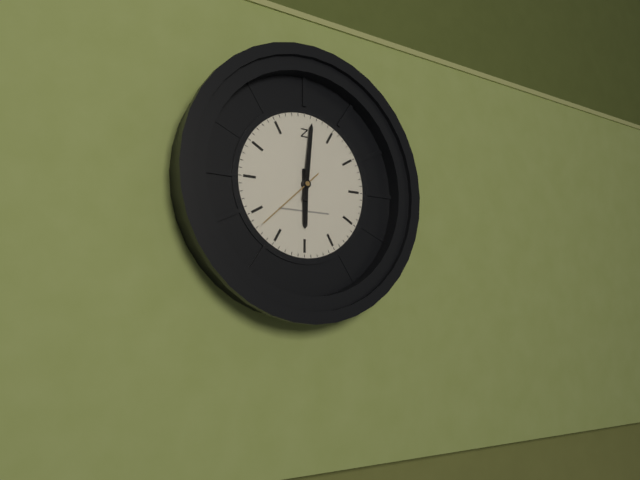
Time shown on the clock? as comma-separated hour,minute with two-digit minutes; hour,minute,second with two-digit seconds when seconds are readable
6,01,38
